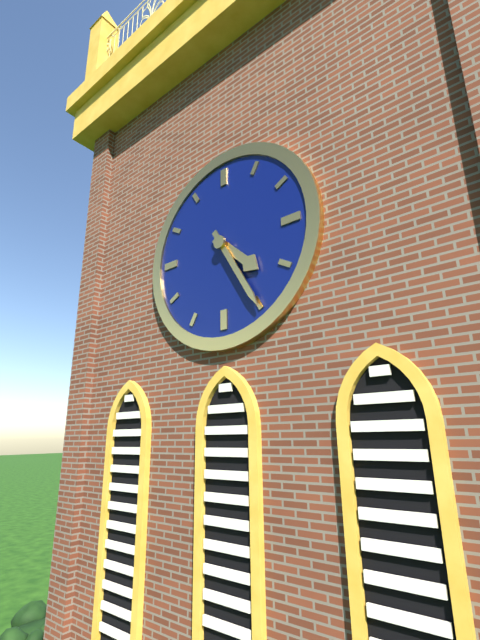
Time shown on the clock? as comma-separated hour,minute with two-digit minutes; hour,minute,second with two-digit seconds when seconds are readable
4,25
